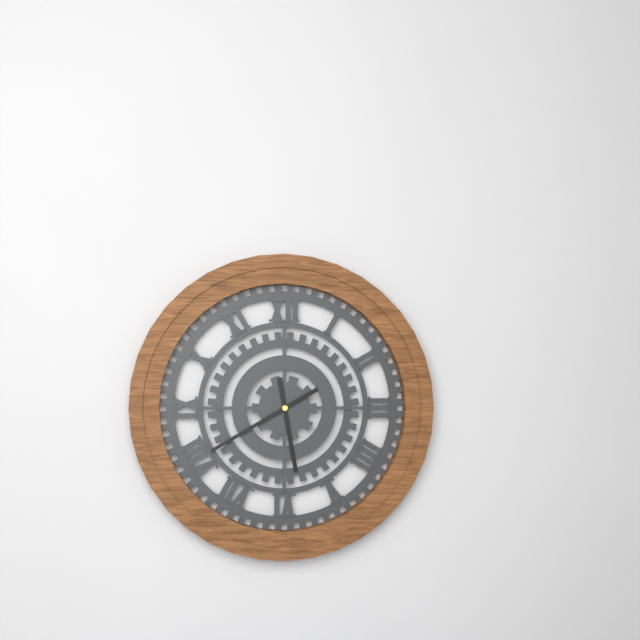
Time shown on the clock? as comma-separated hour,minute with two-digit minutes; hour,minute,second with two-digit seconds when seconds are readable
5,40
